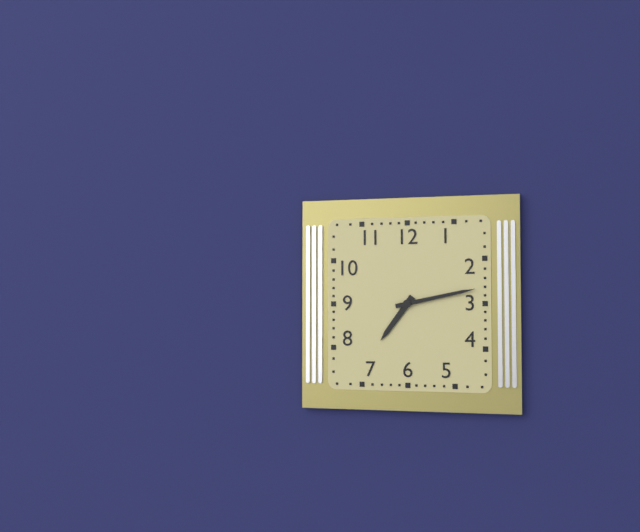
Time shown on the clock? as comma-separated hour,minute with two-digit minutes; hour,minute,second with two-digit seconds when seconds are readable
7,13
